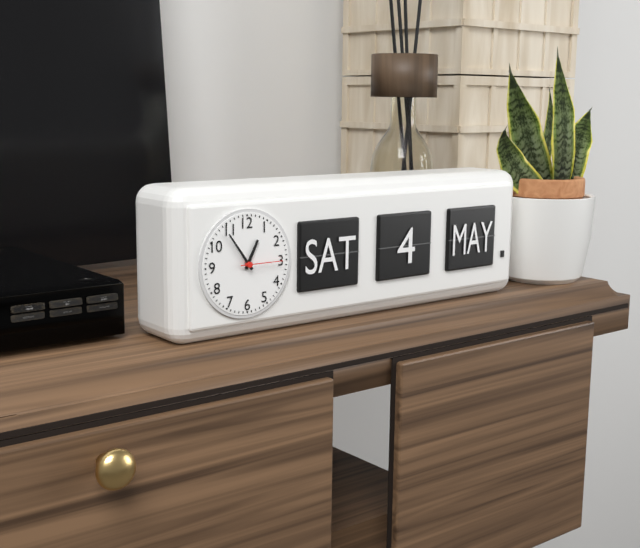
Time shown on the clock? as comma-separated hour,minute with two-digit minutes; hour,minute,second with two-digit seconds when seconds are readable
12,54
